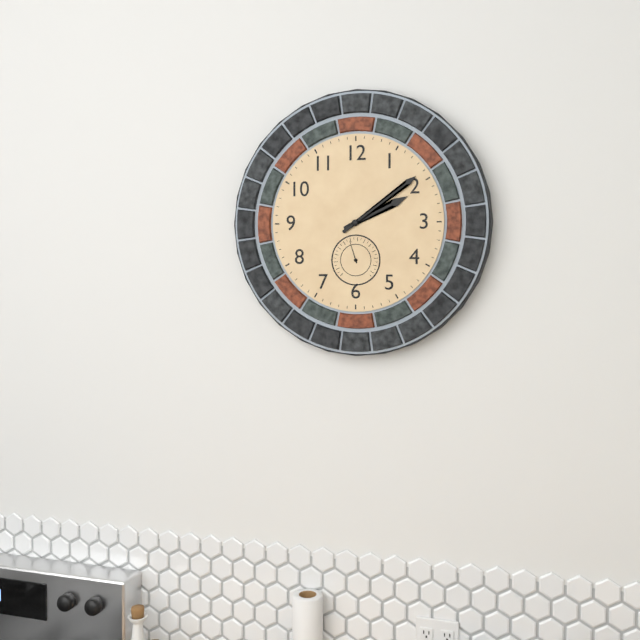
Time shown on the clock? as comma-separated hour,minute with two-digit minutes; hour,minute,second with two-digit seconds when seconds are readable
2,09
